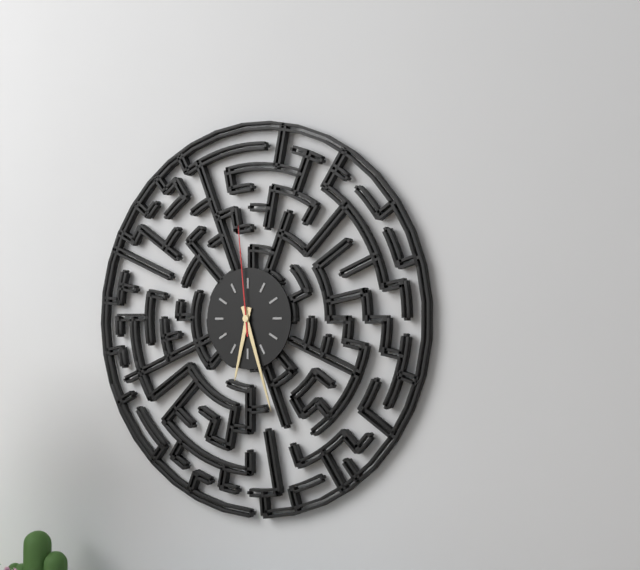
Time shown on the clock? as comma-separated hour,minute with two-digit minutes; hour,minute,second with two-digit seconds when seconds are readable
6,27,59
